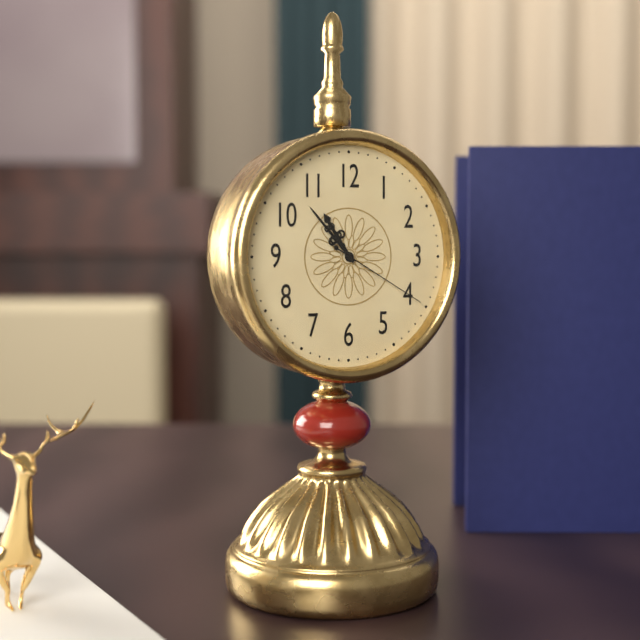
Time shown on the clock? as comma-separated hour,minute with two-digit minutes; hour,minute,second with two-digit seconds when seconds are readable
10,53,20
